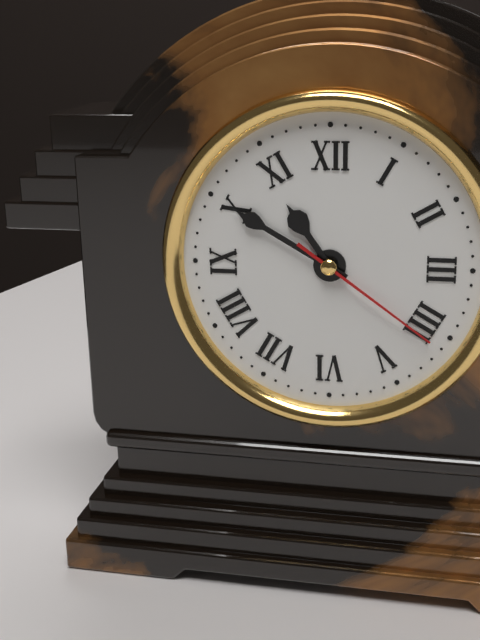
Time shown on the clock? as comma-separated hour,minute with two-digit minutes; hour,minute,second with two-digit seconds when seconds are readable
10,50,21
